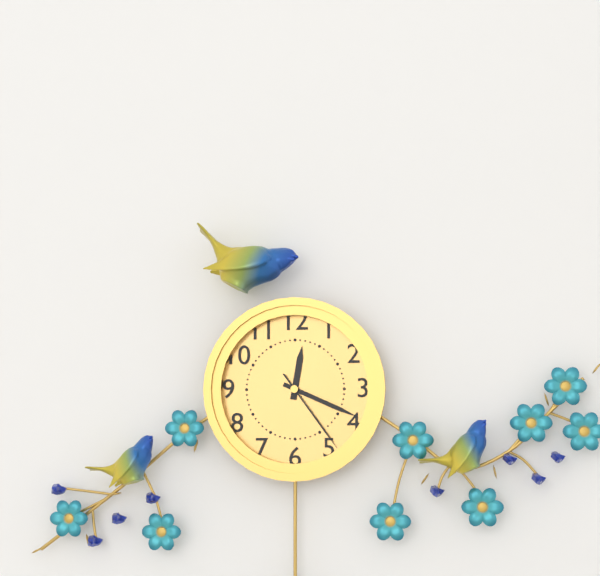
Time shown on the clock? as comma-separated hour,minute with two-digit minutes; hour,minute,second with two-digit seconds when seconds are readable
12,19,24
